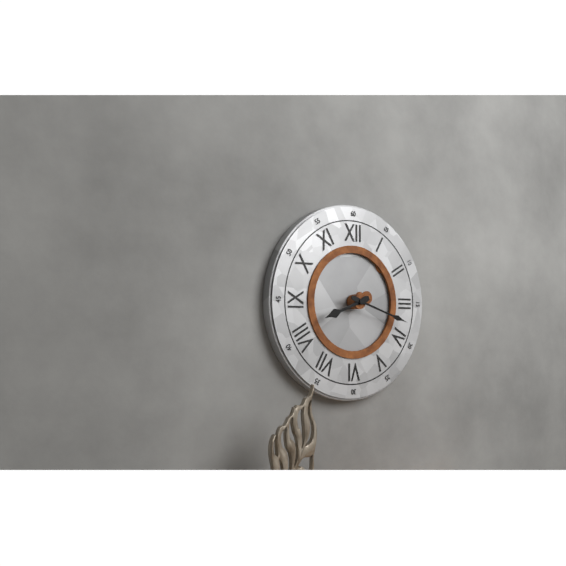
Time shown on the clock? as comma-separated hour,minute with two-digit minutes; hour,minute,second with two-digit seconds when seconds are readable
8,18
